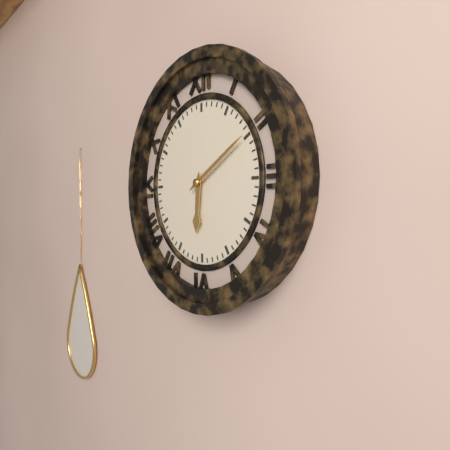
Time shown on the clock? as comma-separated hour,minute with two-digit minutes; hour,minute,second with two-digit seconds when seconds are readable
6,10
